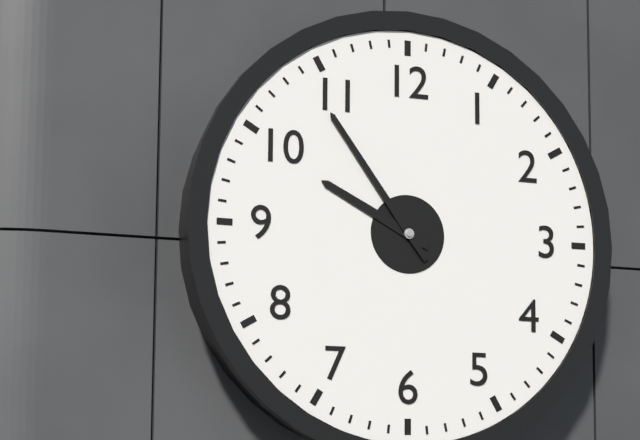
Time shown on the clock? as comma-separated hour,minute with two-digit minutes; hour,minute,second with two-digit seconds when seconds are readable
9,54
